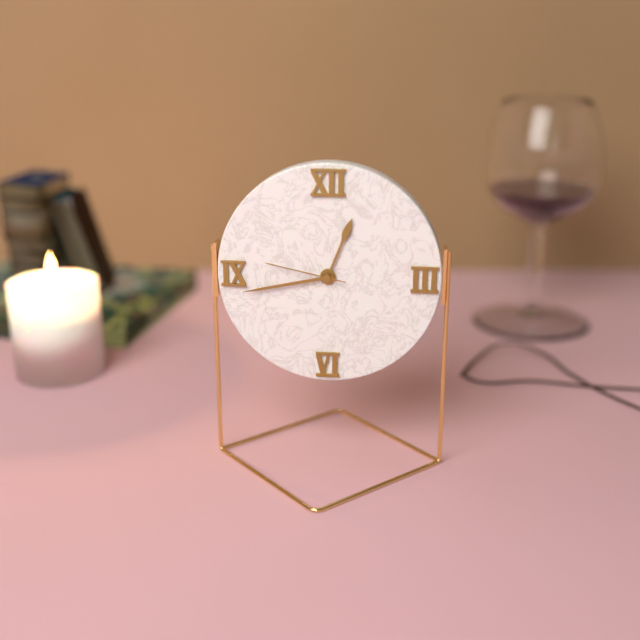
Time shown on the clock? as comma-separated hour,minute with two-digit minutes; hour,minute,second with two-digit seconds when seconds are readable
12,43,47
